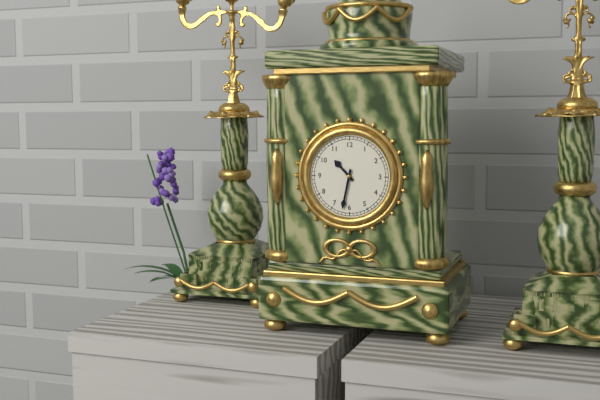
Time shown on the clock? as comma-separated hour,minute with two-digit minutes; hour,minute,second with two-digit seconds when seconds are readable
10,32
